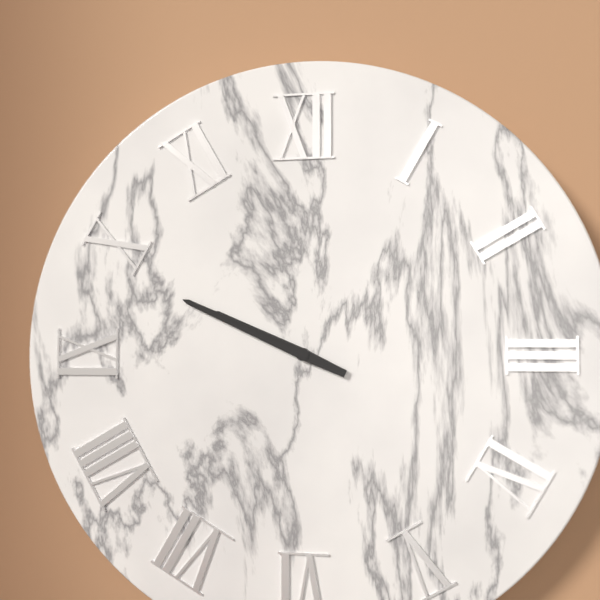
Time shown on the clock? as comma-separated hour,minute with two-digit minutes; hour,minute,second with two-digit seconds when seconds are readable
9,49
